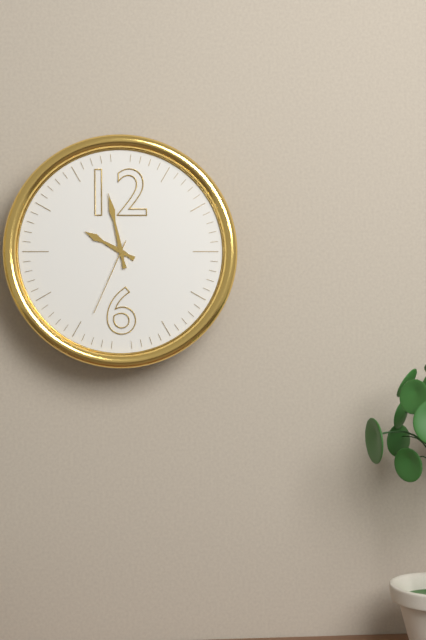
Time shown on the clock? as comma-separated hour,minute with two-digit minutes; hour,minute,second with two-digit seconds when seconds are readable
9,58,34
